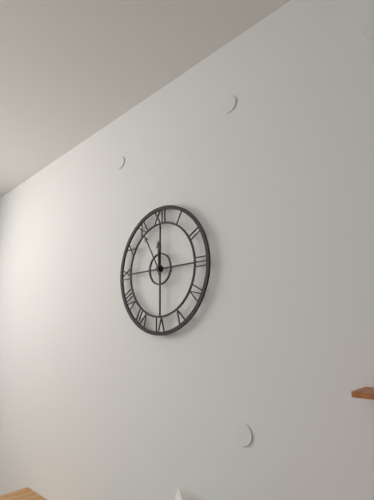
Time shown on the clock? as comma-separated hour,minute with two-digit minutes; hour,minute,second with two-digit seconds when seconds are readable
11,55
